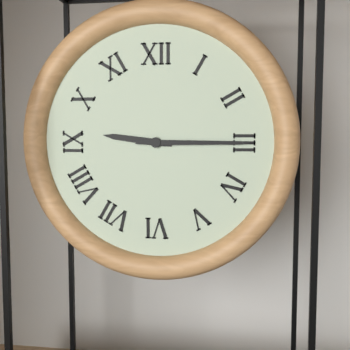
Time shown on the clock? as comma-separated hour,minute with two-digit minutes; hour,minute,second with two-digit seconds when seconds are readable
9,15
